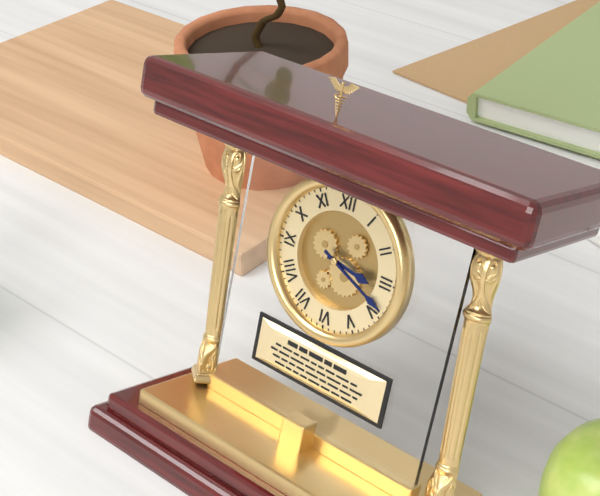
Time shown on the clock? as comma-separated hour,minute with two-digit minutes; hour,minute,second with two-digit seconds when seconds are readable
3,19
